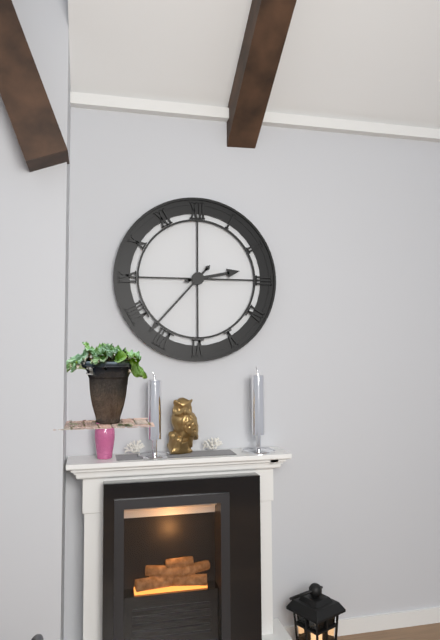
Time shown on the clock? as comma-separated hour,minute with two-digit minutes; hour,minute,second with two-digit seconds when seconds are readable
2,37
